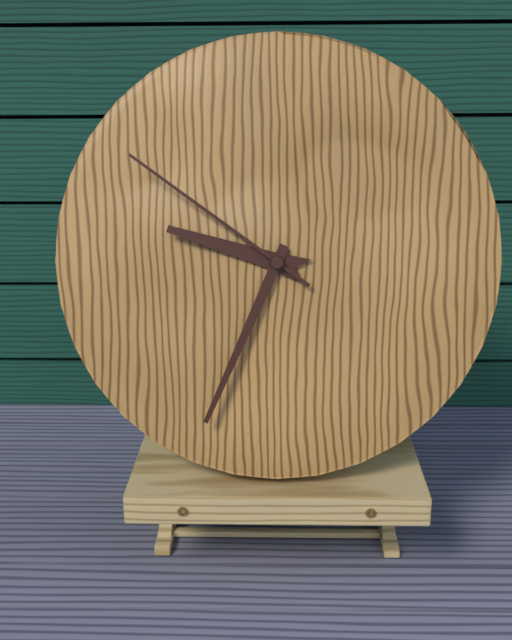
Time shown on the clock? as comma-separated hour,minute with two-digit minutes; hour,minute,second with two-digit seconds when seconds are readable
9,34,51
